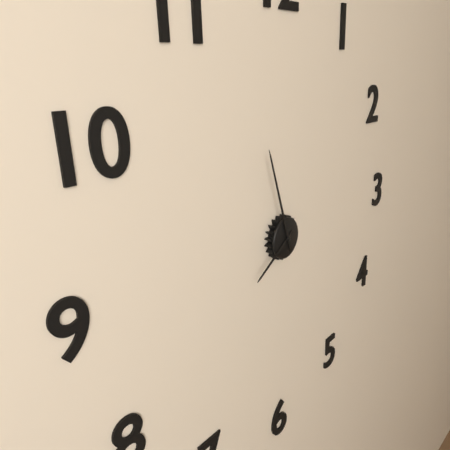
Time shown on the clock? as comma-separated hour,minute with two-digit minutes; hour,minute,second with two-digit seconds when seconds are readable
7,57
